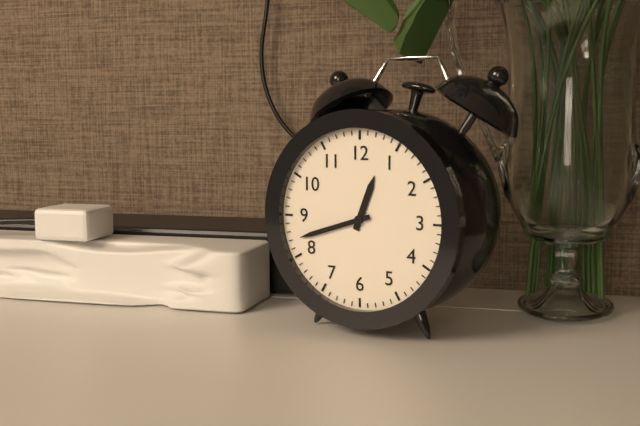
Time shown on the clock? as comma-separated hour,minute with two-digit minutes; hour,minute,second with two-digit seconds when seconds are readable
12,42
